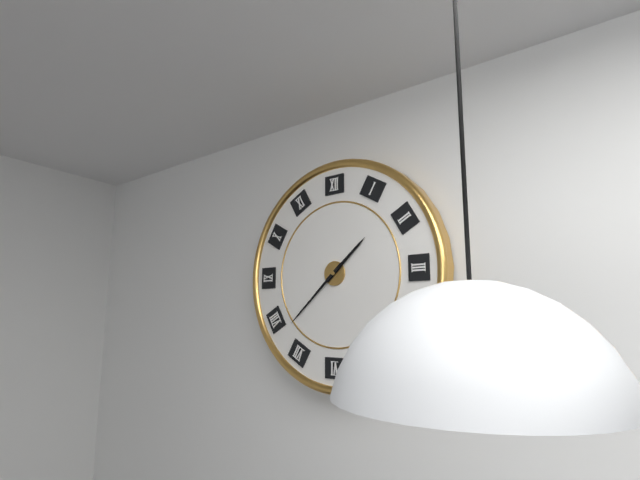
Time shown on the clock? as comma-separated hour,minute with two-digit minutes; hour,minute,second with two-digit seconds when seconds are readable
1,38
